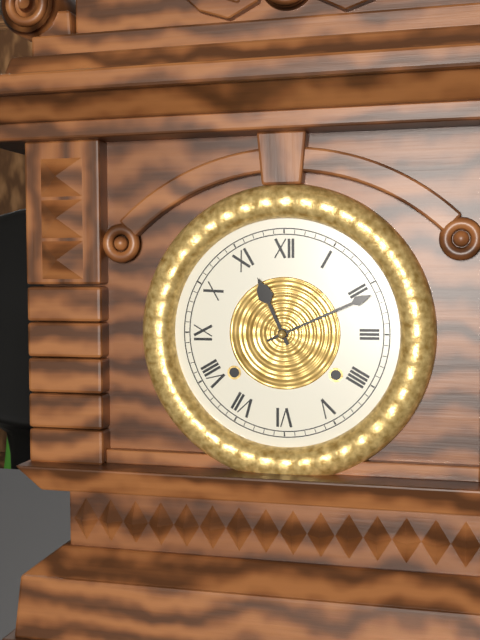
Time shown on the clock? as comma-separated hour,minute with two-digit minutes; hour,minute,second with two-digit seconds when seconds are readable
11,11
